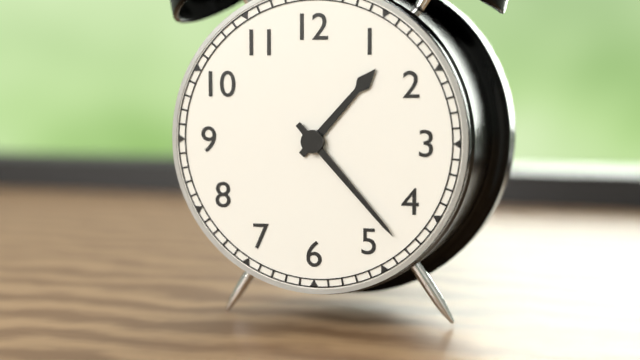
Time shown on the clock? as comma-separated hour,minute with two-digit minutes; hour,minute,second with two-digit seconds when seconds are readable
1,23
